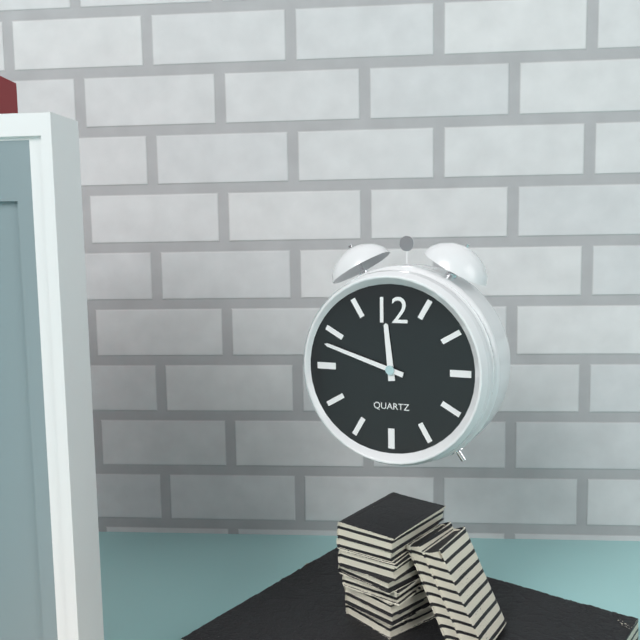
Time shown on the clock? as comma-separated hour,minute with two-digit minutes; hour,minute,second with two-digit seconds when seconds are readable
11,48
